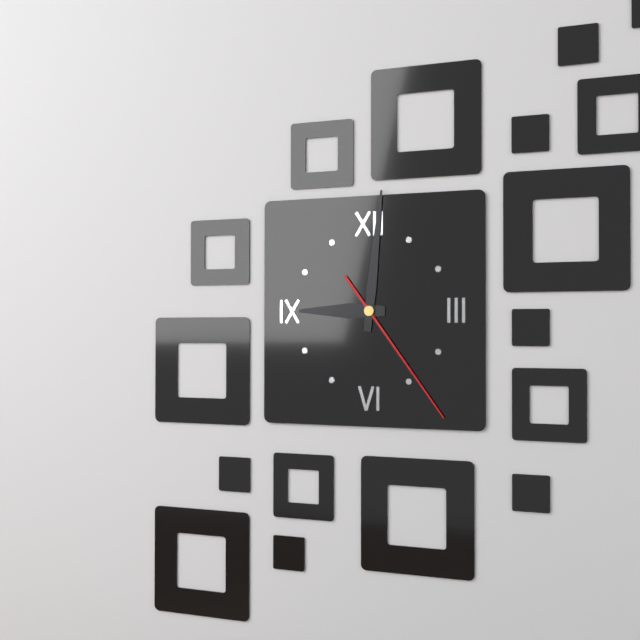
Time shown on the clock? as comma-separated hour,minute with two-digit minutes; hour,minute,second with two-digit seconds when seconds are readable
9,01,24
